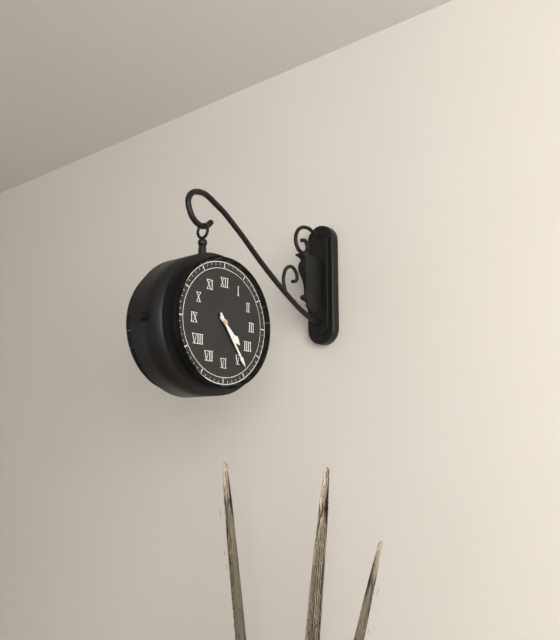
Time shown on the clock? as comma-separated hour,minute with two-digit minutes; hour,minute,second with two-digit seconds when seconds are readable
4,24
